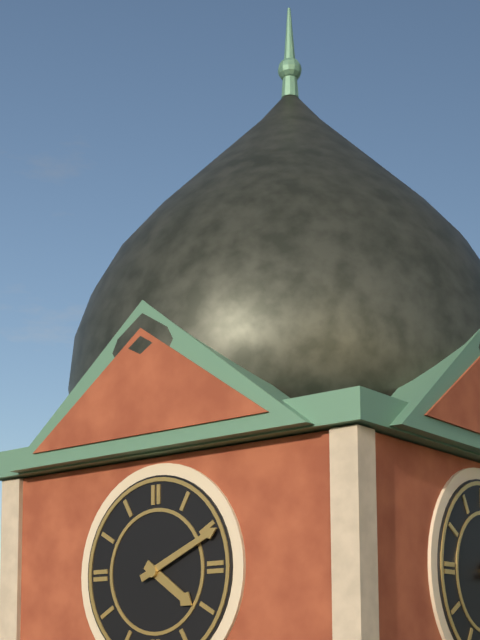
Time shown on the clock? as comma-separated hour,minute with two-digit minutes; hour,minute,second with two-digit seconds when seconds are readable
4,11
